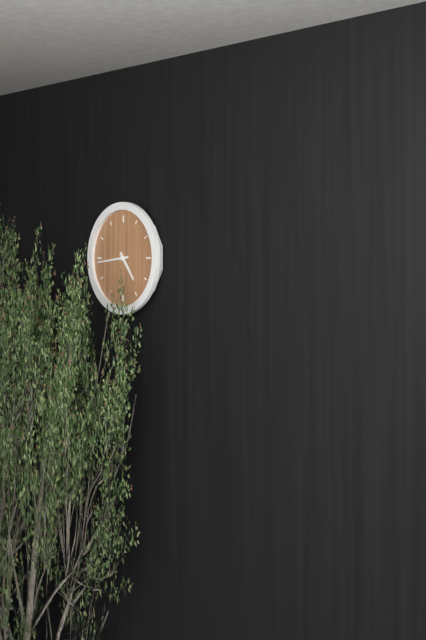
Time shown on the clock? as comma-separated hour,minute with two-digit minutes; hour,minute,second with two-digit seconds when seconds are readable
4,44
